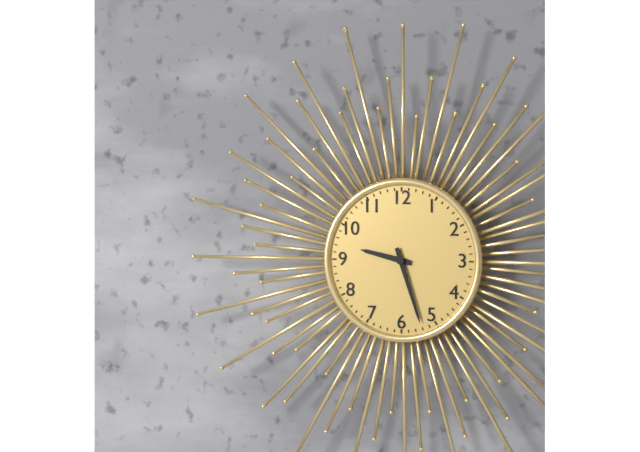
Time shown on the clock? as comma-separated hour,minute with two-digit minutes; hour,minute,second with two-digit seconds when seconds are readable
9,27
